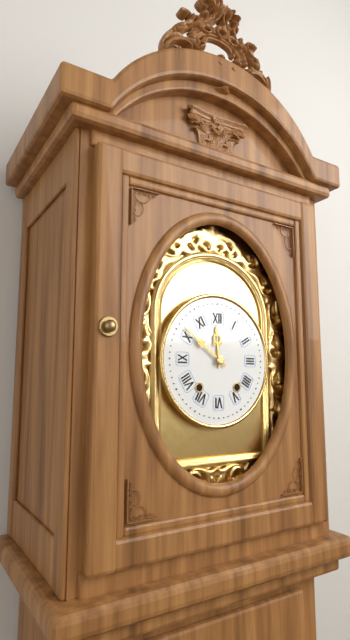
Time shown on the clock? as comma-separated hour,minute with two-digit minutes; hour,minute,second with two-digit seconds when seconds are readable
11,51
